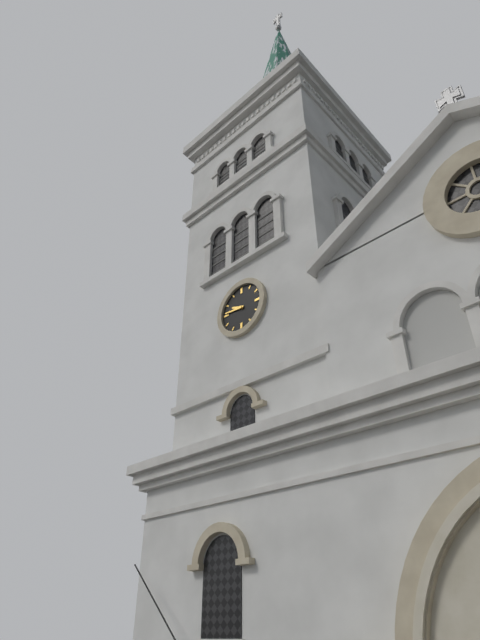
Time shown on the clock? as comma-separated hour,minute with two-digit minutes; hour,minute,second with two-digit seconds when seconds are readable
9,46
